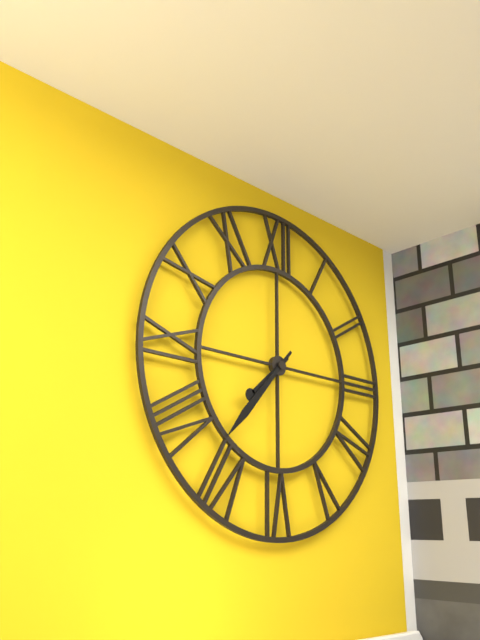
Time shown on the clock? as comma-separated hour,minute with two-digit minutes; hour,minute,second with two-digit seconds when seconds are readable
7,37
